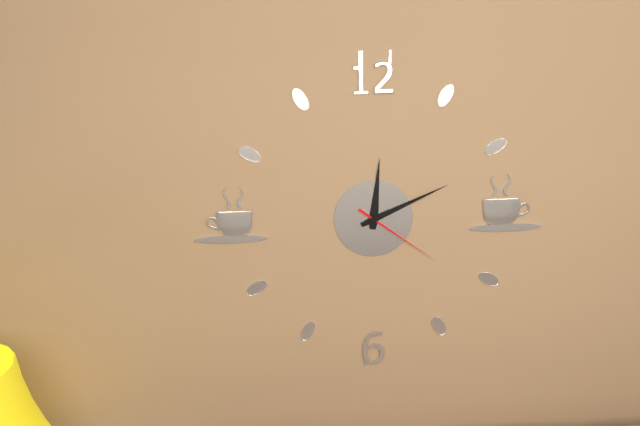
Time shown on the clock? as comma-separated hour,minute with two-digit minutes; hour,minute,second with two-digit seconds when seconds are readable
12,11,21
